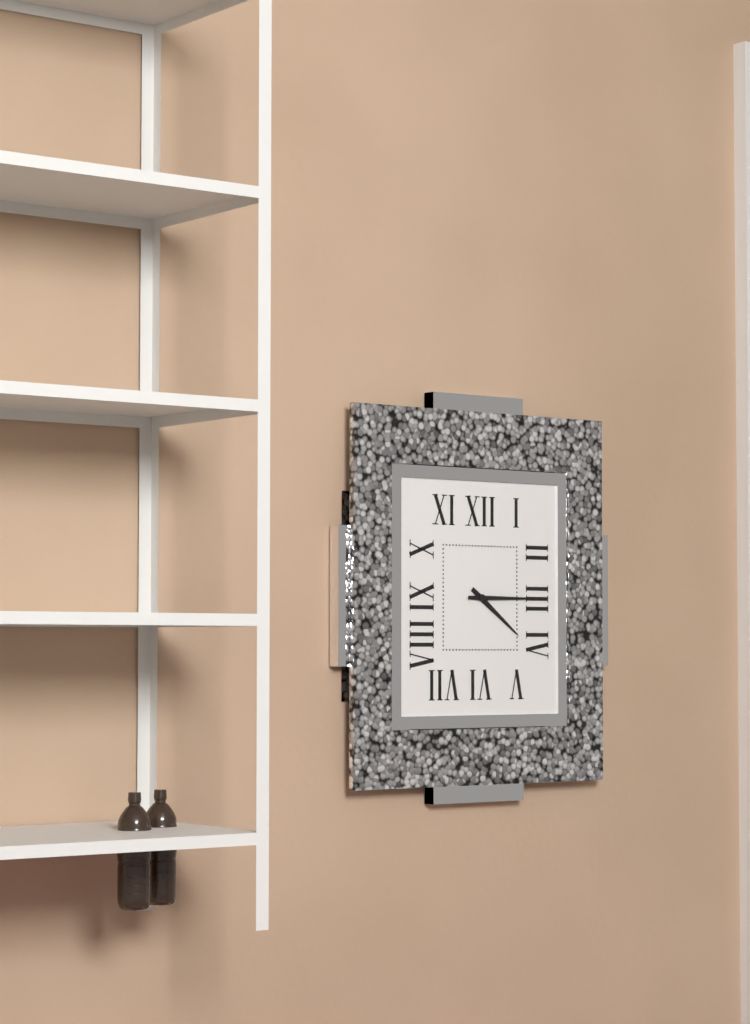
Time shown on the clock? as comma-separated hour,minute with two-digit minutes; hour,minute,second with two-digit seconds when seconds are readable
4,15
